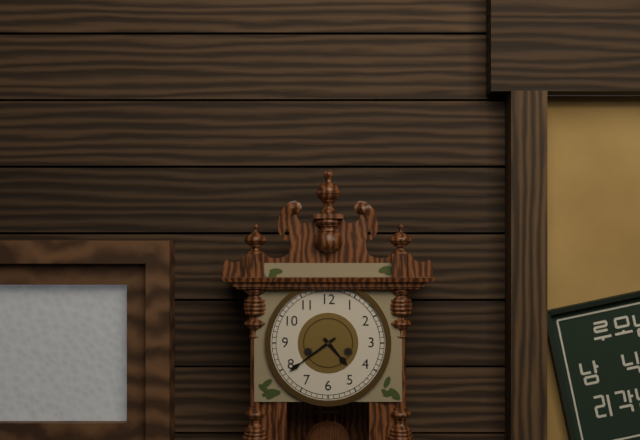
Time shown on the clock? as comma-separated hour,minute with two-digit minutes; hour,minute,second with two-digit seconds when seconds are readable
4,39
